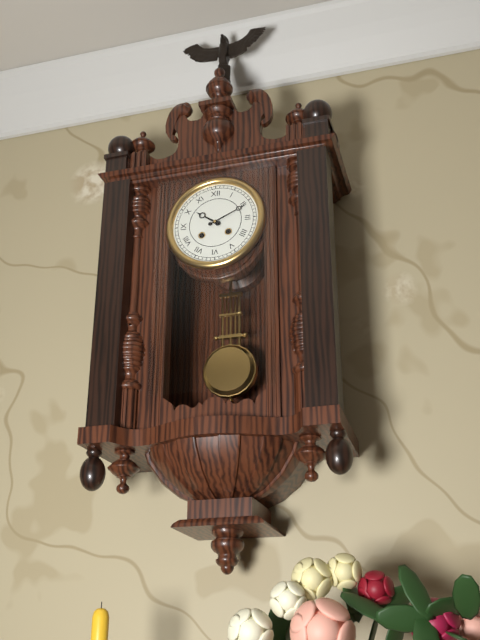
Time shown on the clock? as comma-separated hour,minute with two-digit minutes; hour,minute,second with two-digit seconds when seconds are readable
10,11
